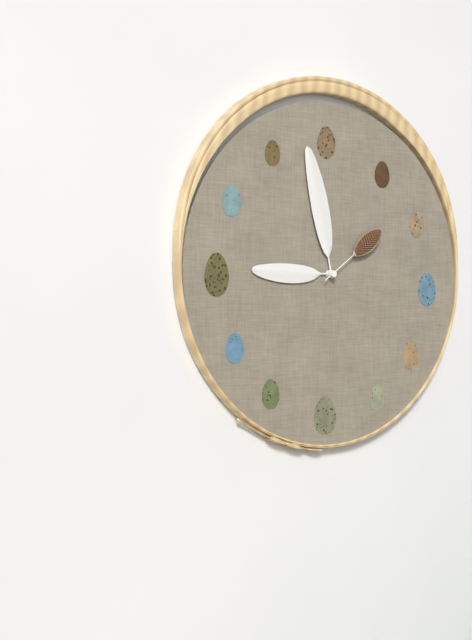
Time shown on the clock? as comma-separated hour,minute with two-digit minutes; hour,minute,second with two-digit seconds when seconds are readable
8,58,09
